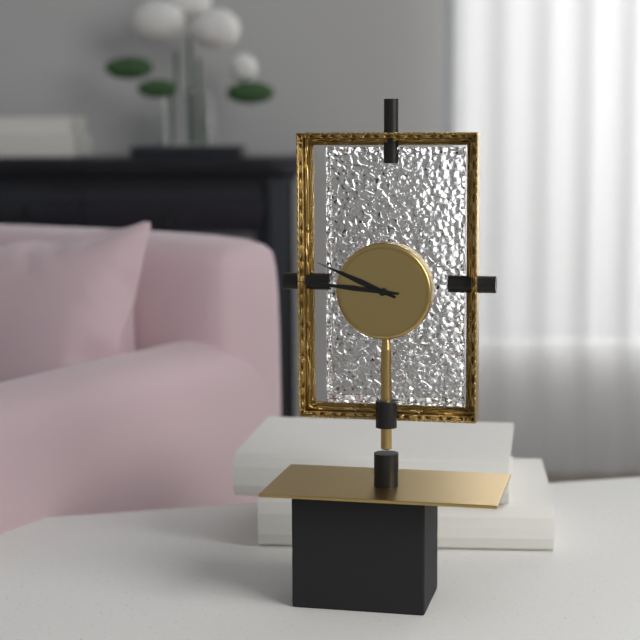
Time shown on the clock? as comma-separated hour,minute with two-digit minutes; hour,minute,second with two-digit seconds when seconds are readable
9,46
